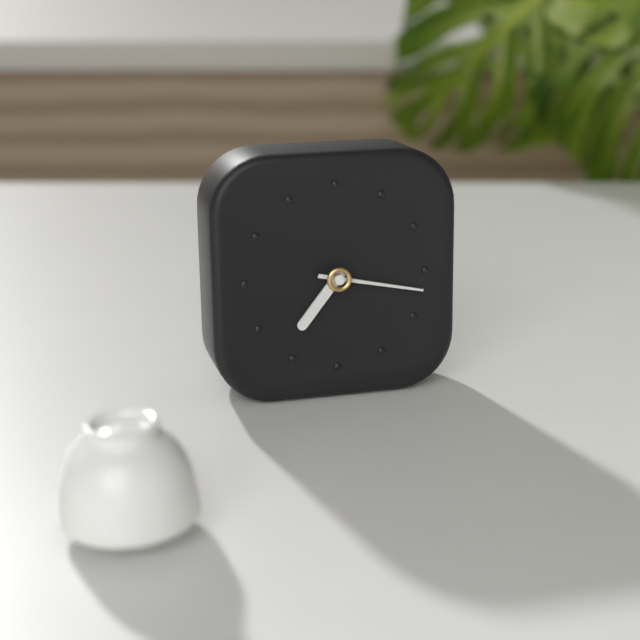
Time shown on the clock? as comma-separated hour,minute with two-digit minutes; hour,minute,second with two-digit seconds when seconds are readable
7,17
